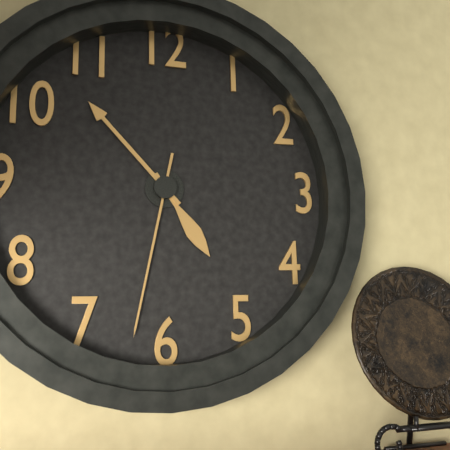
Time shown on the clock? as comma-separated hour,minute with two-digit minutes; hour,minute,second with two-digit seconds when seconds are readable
4,53,32
